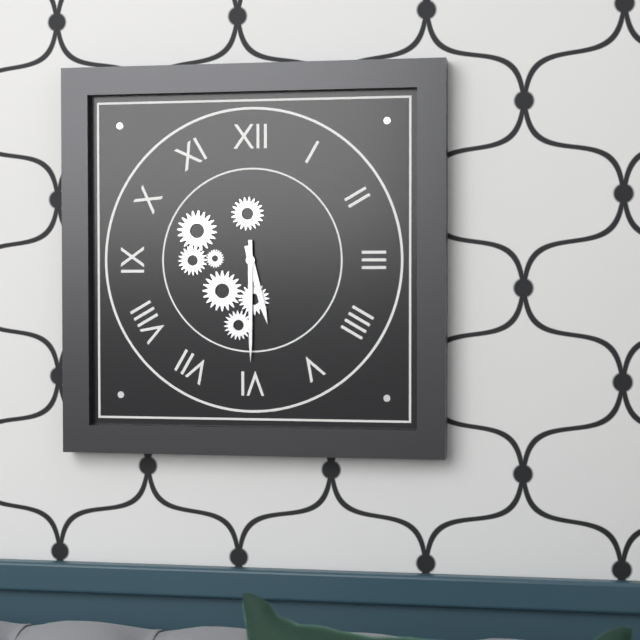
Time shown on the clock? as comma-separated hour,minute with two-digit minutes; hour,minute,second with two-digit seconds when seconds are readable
5,30
